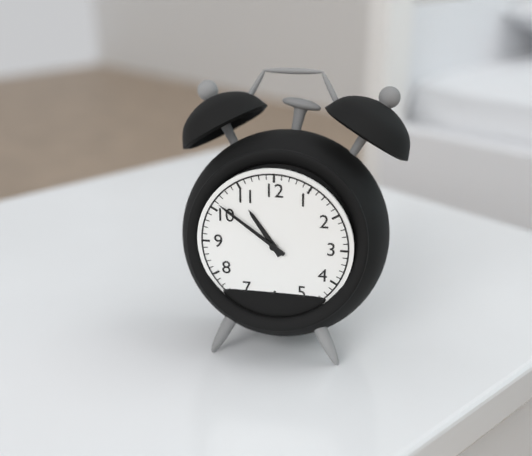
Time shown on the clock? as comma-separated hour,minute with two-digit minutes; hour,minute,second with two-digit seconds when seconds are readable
10,51
